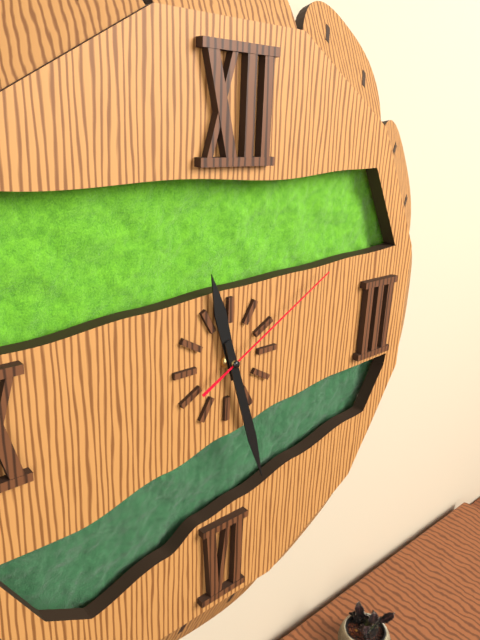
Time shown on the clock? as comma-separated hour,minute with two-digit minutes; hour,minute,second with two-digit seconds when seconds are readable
11,27,10
